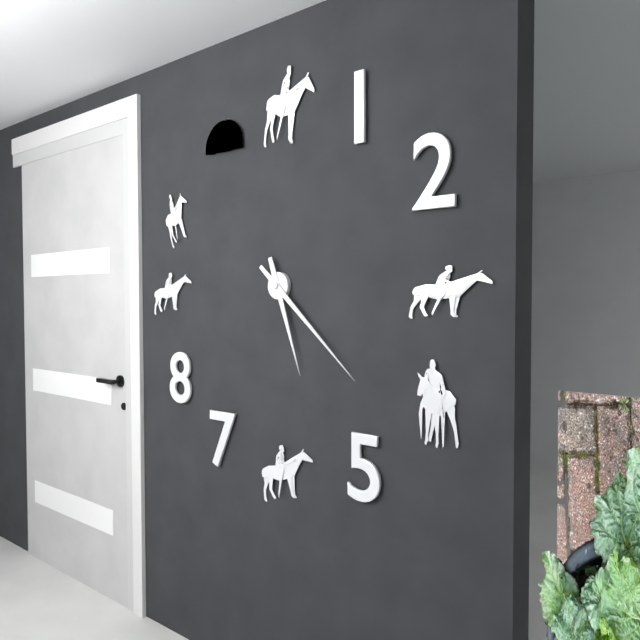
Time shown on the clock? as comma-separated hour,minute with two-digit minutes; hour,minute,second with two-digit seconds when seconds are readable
5,22
